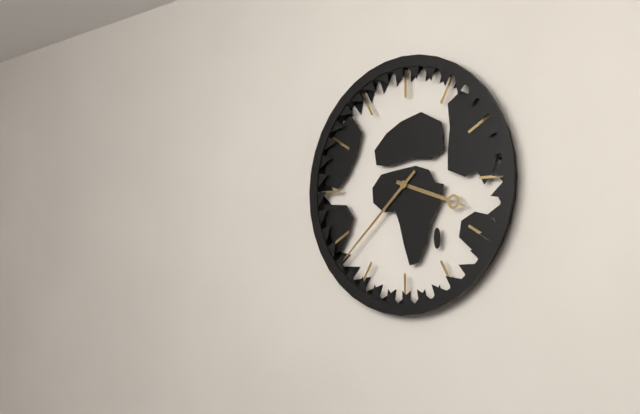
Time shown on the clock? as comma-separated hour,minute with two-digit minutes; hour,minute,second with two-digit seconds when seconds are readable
3,38
